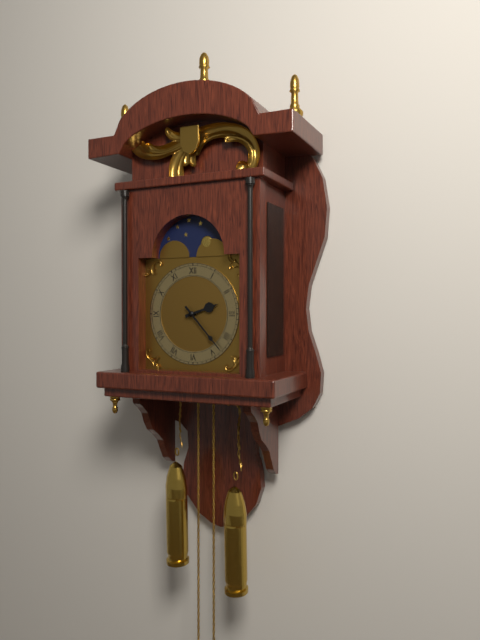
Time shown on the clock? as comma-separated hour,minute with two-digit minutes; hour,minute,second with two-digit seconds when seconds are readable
2,23
